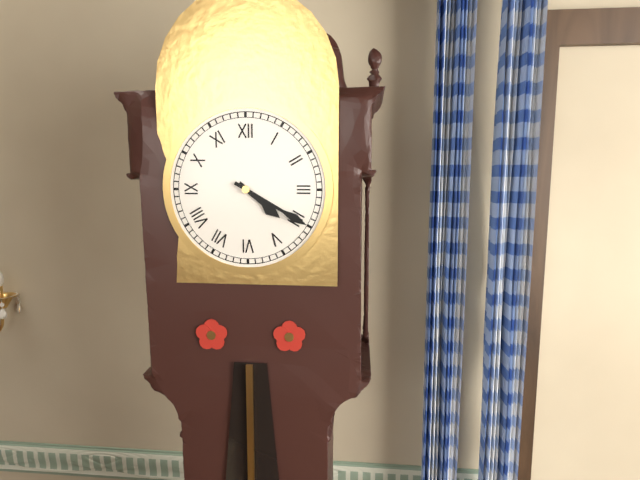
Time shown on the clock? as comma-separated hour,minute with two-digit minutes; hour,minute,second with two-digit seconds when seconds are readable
4,20
